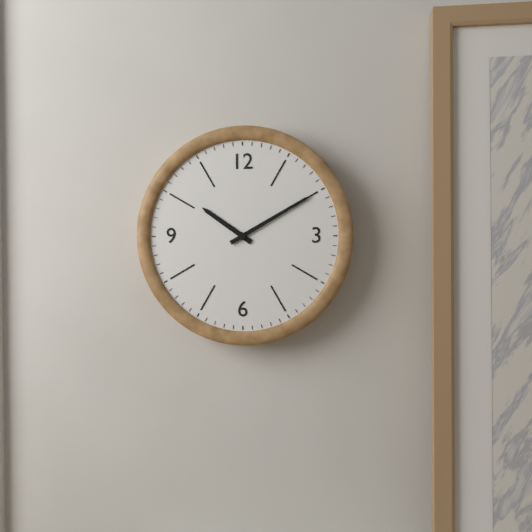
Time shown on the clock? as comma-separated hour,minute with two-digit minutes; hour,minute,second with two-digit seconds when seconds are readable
10,10
